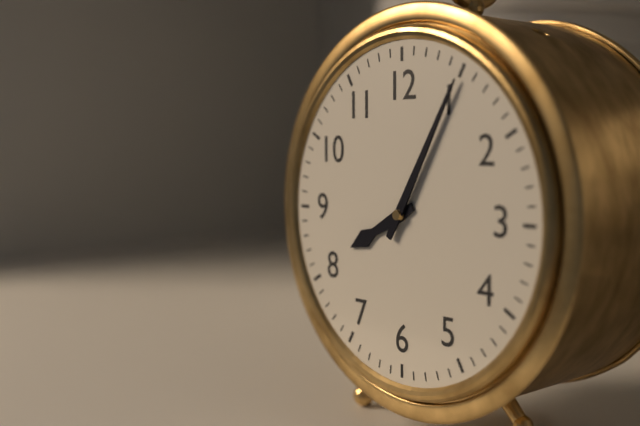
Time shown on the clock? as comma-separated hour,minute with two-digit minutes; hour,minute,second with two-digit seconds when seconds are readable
8,05
